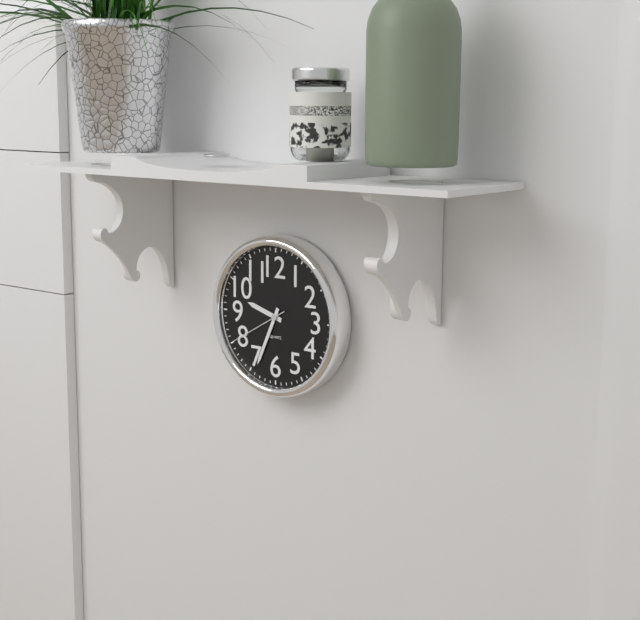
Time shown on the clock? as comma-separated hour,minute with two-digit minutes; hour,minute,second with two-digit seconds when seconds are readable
9,34,40
